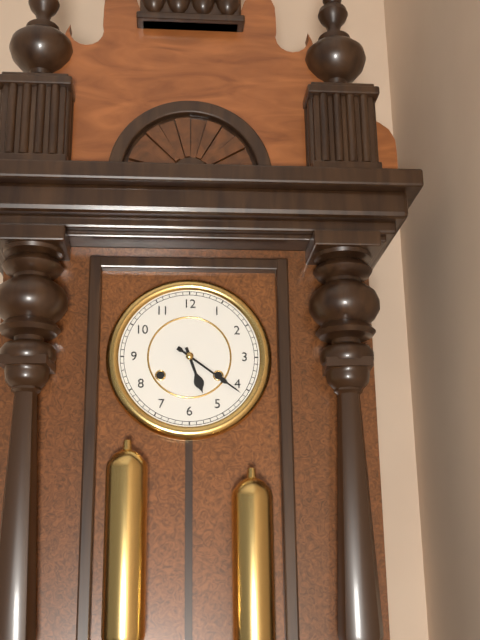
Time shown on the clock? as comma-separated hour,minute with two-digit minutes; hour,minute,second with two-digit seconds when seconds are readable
5,21
